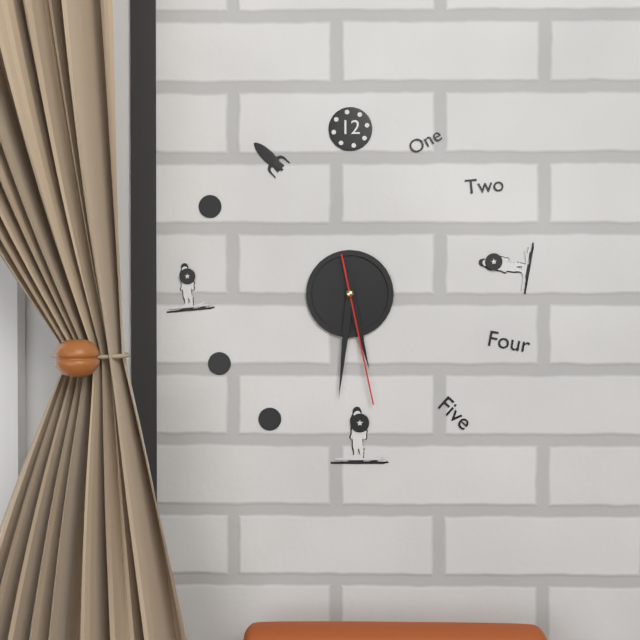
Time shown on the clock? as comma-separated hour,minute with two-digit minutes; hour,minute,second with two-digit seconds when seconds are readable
5,31,28
